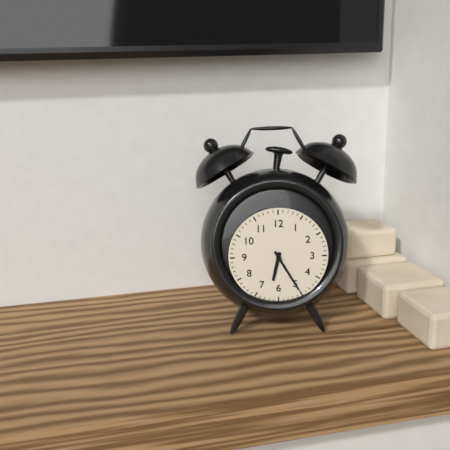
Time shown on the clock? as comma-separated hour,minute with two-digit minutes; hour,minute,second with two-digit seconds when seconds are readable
6,25
